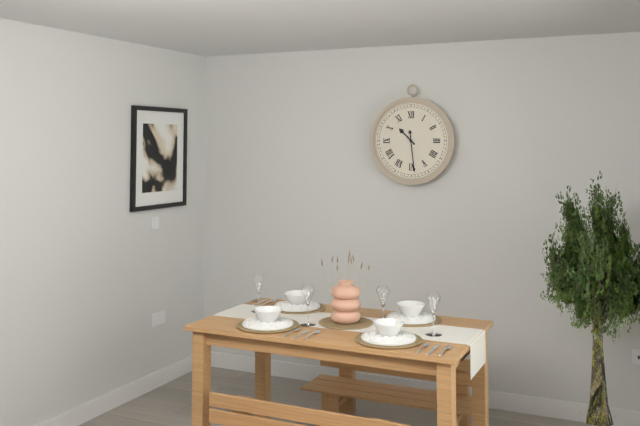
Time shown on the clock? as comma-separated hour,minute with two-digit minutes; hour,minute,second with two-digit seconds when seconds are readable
10,29
